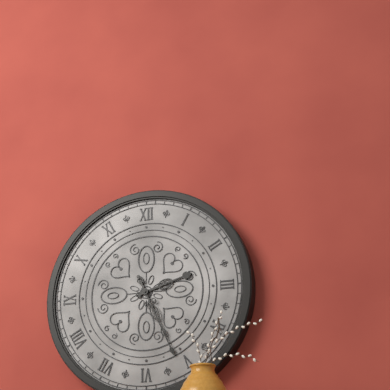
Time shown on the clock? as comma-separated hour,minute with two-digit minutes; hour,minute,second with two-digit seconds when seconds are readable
2,26
